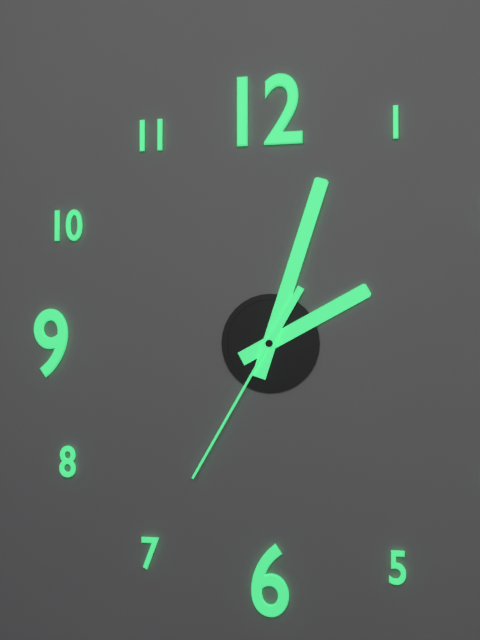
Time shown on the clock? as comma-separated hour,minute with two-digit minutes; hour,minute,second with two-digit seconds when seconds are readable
2,03,35
